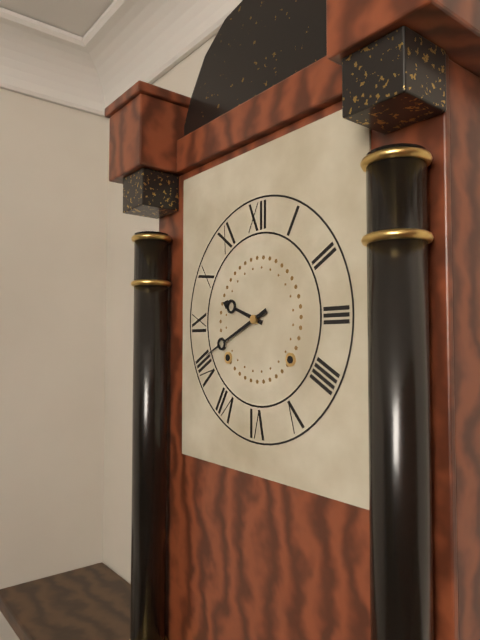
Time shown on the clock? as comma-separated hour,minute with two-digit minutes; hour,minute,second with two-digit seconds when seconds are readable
9,41
